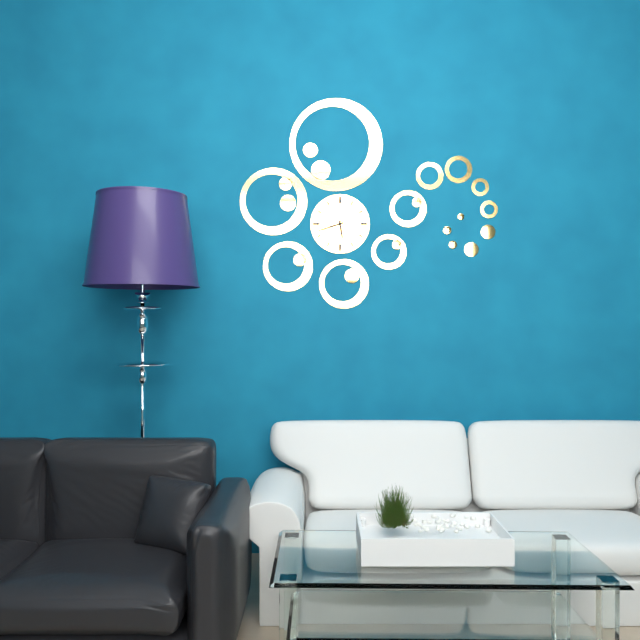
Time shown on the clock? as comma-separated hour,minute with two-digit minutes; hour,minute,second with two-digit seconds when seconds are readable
5,42
